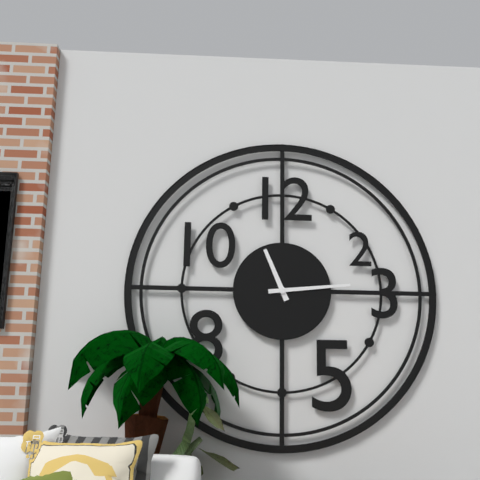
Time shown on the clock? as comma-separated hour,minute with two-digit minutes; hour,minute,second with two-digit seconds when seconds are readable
11,14
